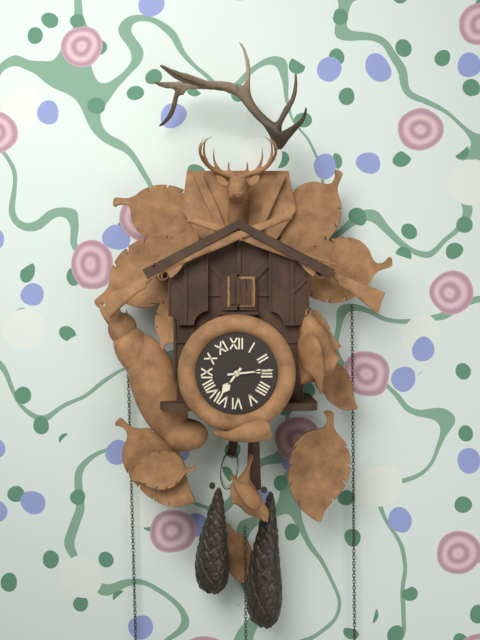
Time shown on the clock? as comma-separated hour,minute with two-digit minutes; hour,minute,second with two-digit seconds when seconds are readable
7,14
